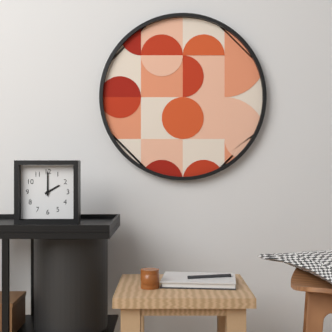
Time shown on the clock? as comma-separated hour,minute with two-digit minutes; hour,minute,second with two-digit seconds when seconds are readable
2,00
